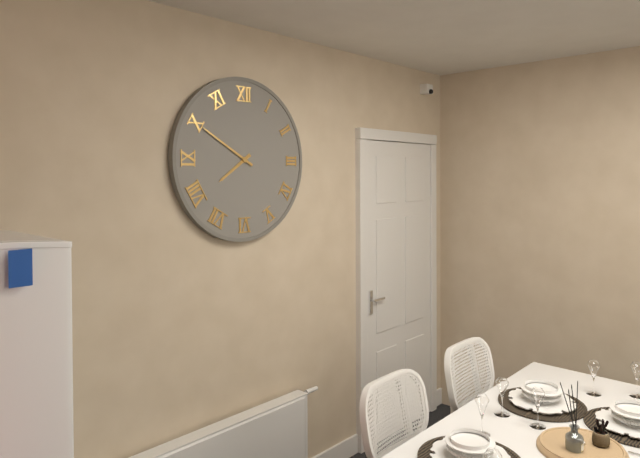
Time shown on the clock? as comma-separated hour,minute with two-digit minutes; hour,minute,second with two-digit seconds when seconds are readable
7,50
